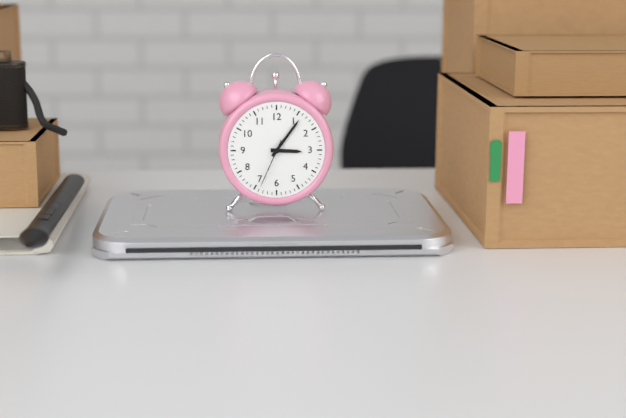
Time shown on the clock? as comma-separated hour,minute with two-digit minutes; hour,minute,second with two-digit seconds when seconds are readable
3,06,34
